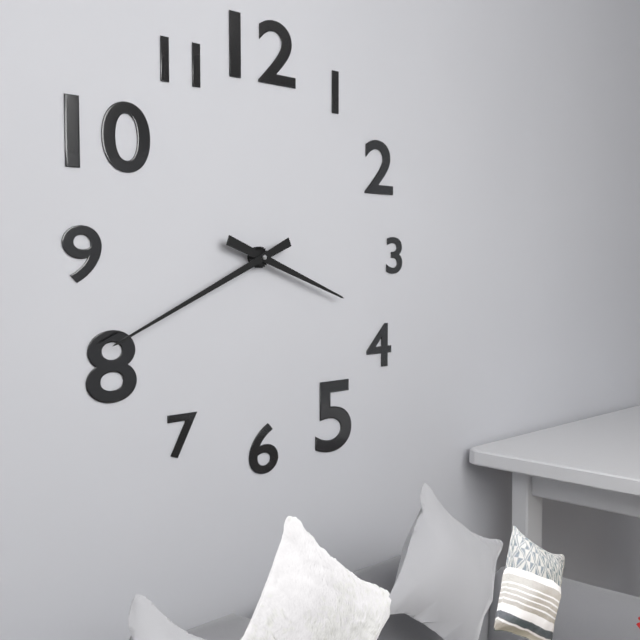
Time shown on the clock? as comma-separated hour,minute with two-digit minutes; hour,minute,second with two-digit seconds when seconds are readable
3,41
